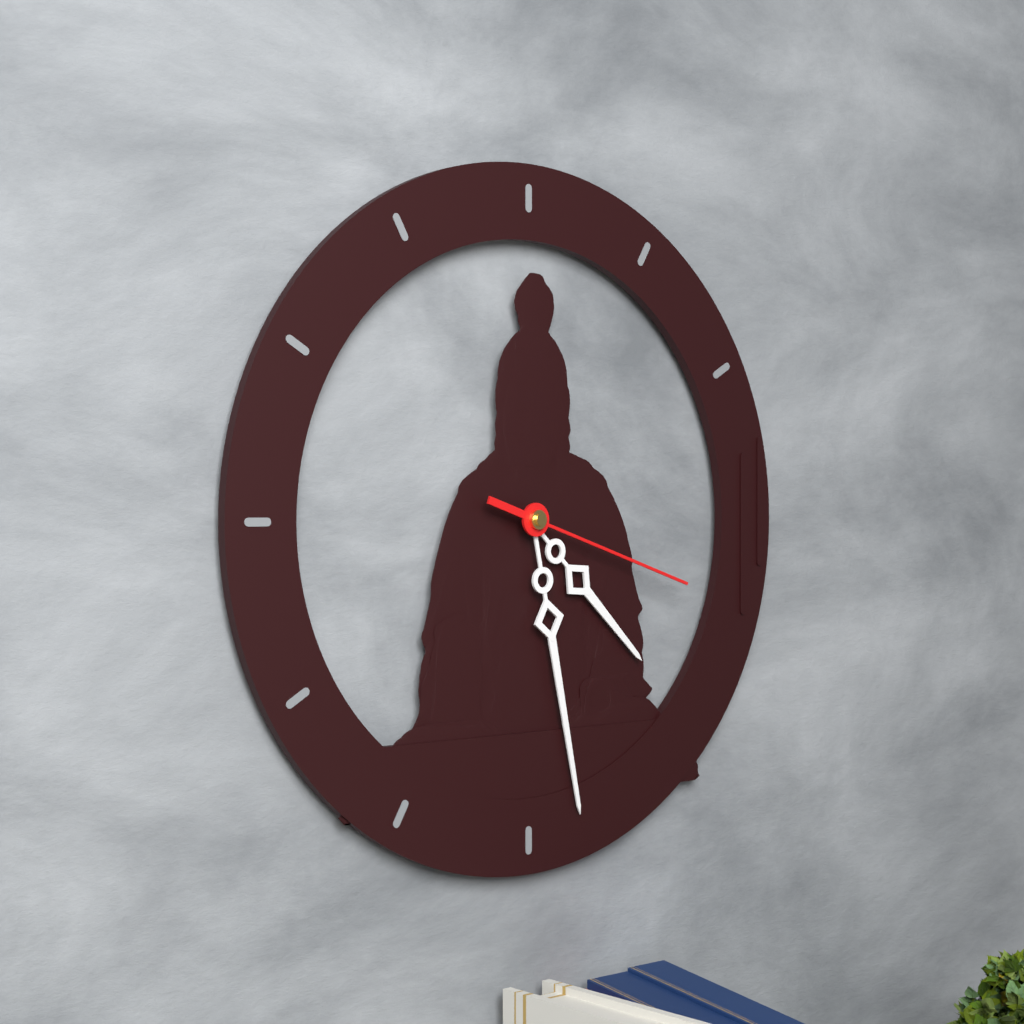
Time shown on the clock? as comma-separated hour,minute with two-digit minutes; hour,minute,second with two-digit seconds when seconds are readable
4,28,18
